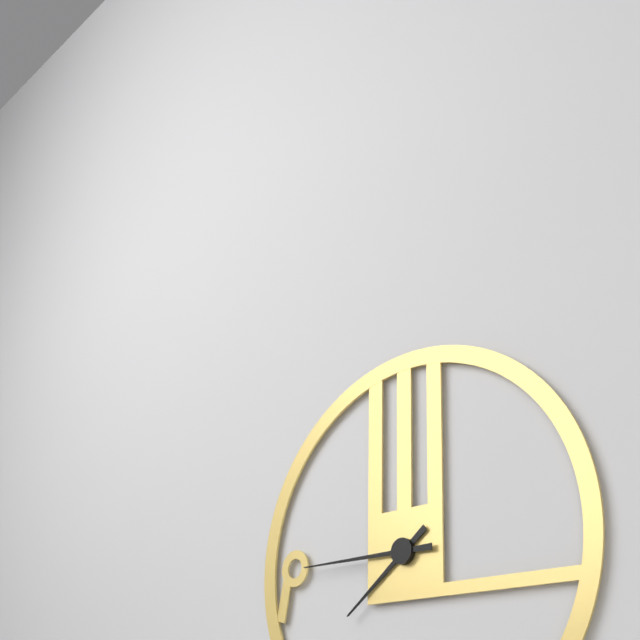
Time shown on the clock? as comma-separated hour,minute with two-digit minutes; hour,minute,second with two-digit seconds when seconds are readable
7,45
